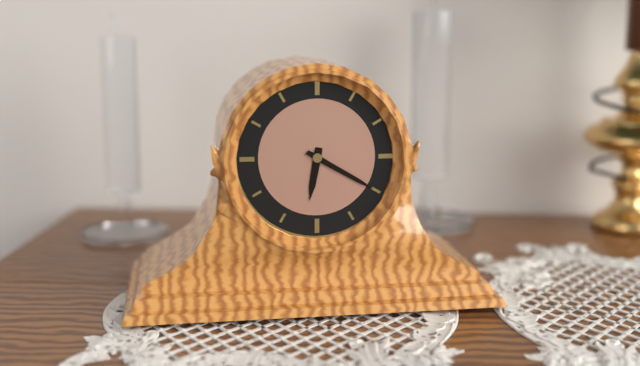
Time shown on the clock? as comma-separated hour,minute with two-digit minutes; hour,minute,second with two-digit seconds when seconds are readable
6,20
